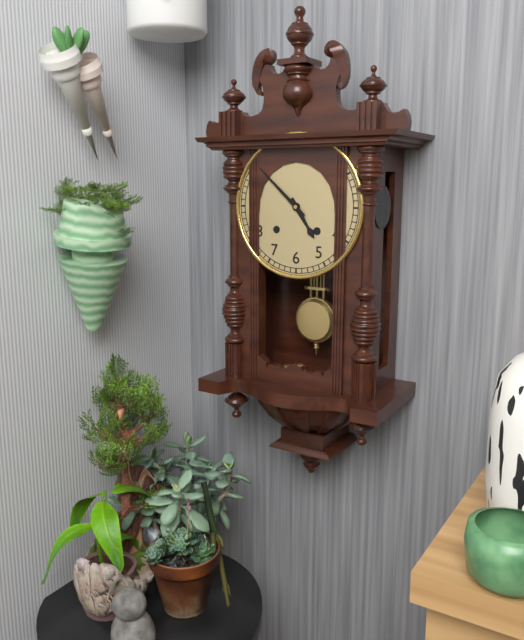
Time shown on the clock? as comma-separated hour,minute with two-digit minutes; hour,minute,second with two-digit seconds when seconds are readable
4,52
